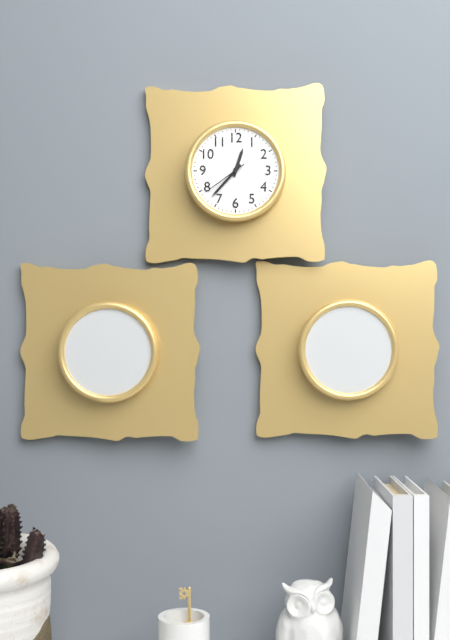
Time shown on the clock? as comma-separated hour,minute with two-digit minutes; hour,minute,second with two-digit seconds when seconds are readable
12,37
